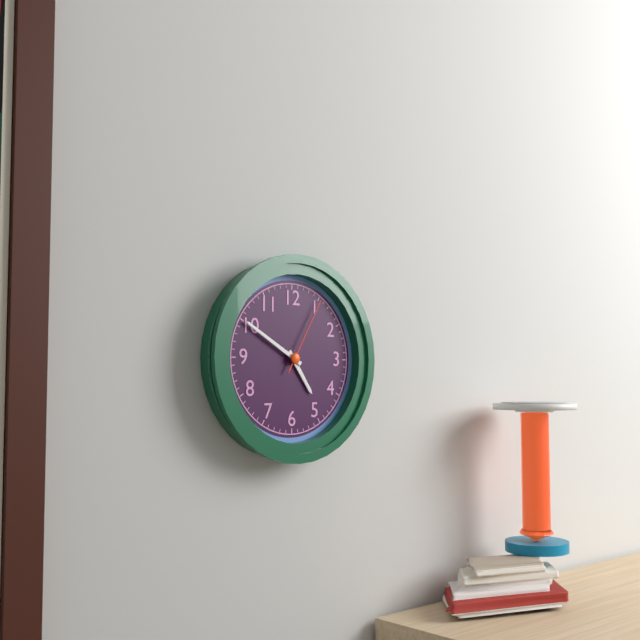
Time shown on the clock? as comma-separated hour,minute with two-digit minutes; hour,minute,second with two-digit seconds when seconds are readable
4,50,05
